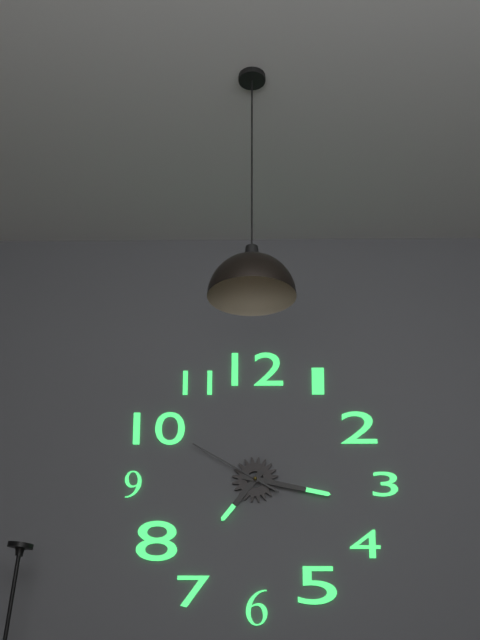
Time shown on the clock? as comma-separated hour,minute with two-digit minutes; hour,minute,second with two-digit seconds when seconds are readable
7,17,50
